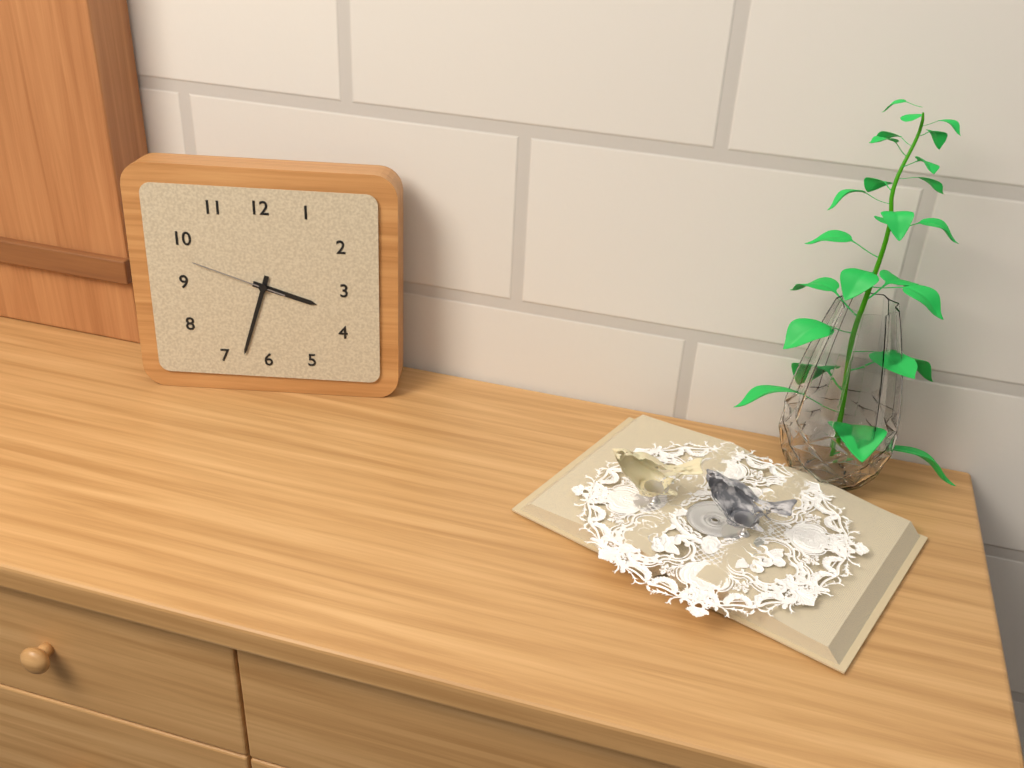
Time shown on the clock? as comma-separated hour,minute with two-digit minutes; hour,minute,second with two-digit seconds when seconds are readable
3,33,48
